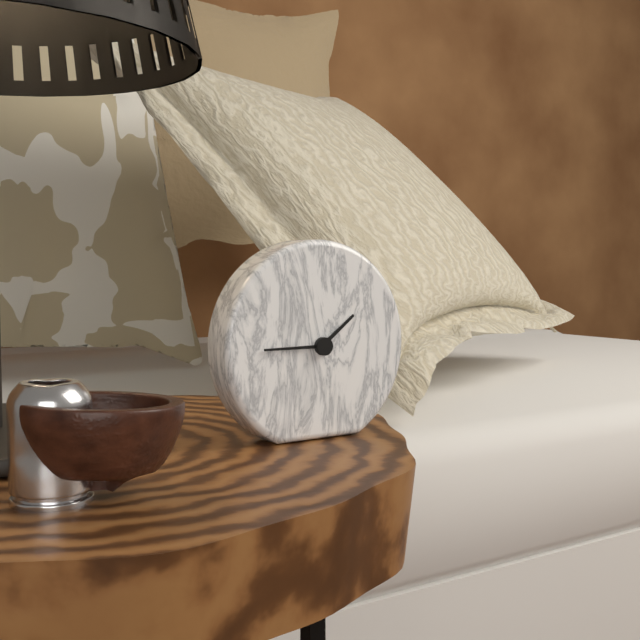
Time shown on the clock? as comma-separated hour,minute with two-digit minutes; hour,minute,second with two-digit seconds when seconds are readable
1,45
